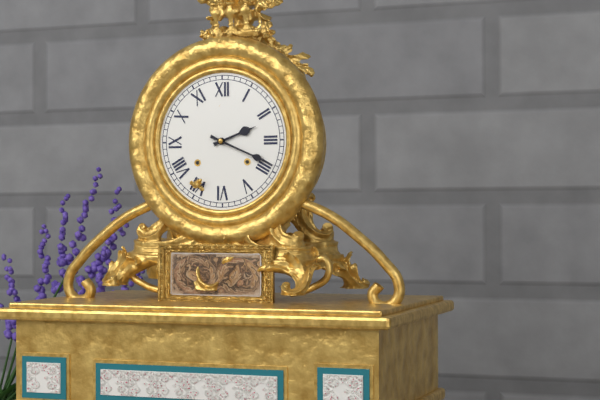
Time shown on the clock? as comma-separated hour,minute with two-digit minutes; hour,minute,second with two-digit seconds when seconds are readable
2,19
